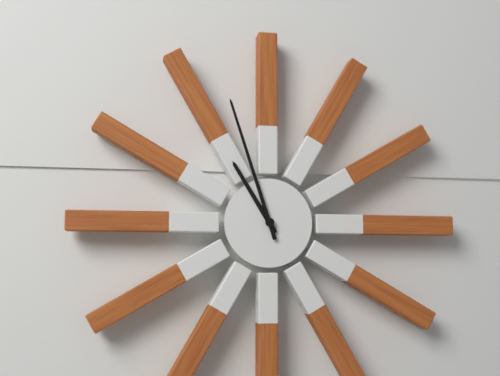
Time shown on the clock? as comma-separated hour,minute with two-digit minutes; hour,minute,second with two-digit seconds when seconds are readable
10,57
